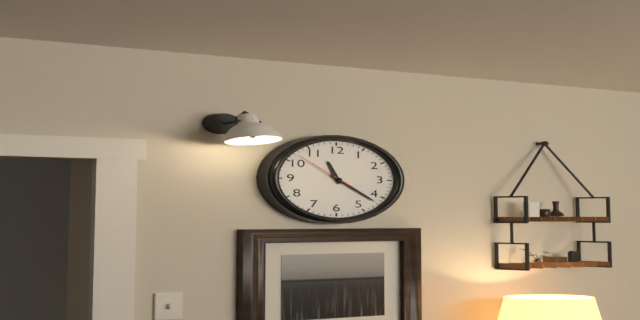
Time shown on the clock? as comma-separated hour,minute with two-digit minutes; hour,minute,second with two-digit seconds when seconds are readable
11,22,52
